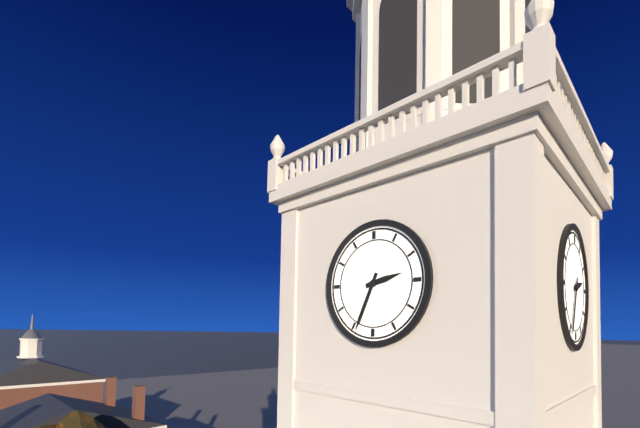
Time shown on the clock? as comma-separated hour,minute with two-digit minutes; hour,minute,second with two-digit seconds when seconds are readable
2,34
